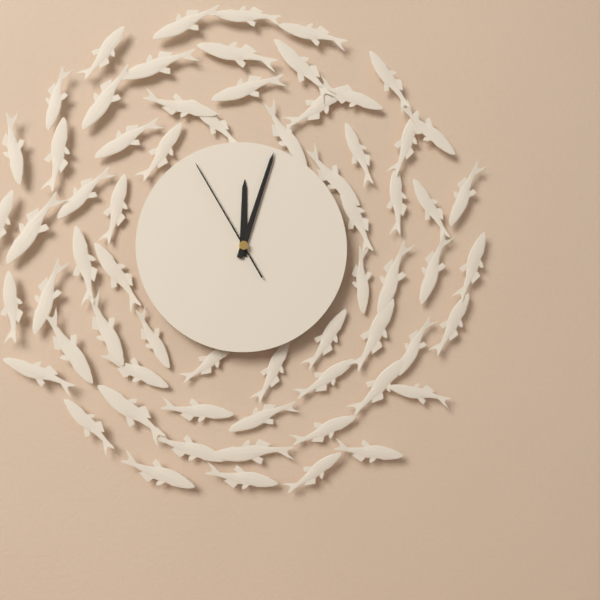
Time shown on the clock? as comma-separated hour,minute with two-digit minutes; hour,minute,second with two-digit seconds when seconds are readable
12,03,55
